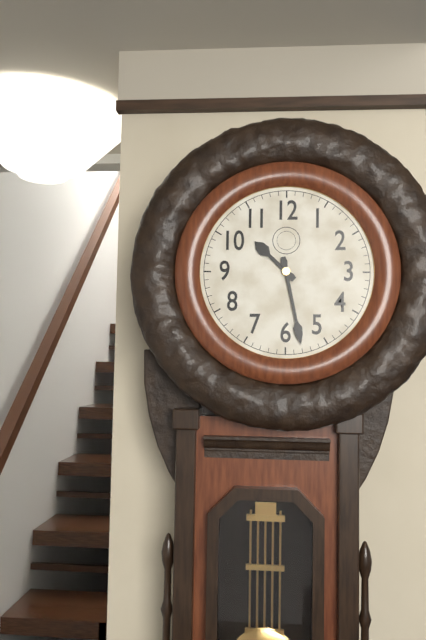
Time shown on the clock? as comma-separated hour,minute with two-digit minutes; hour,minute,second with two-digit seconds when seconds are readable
10,28
